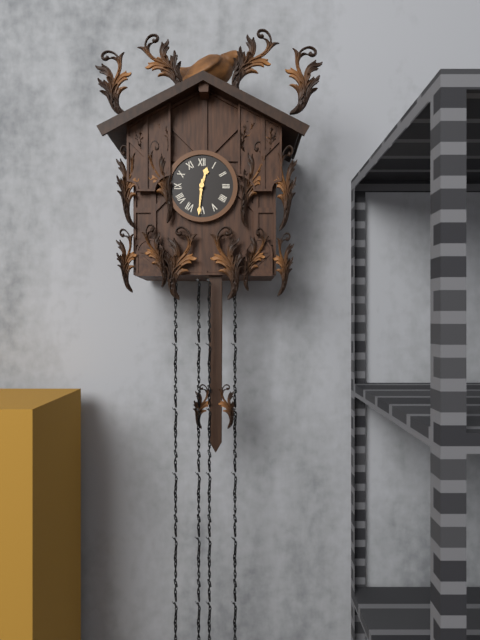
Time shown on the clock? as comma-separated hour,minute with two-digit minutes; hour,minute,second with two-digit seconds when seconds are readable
12,31
